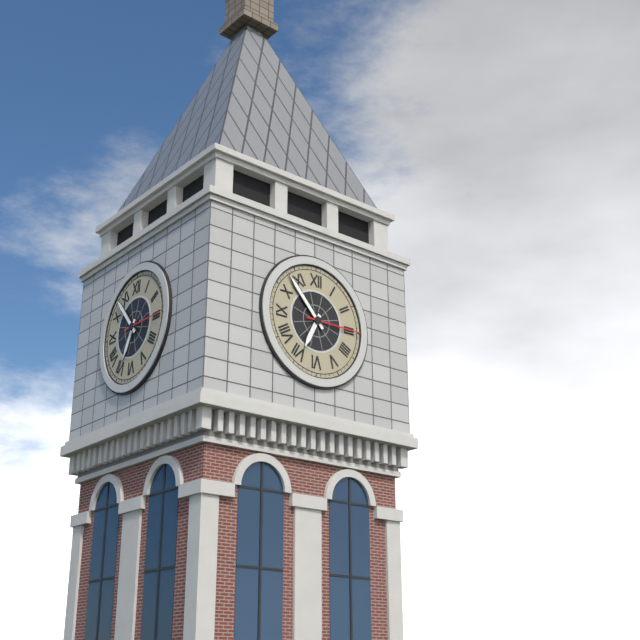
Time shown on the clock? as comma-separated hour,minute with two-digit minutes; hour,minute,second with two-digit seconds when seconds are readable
6,53,15
